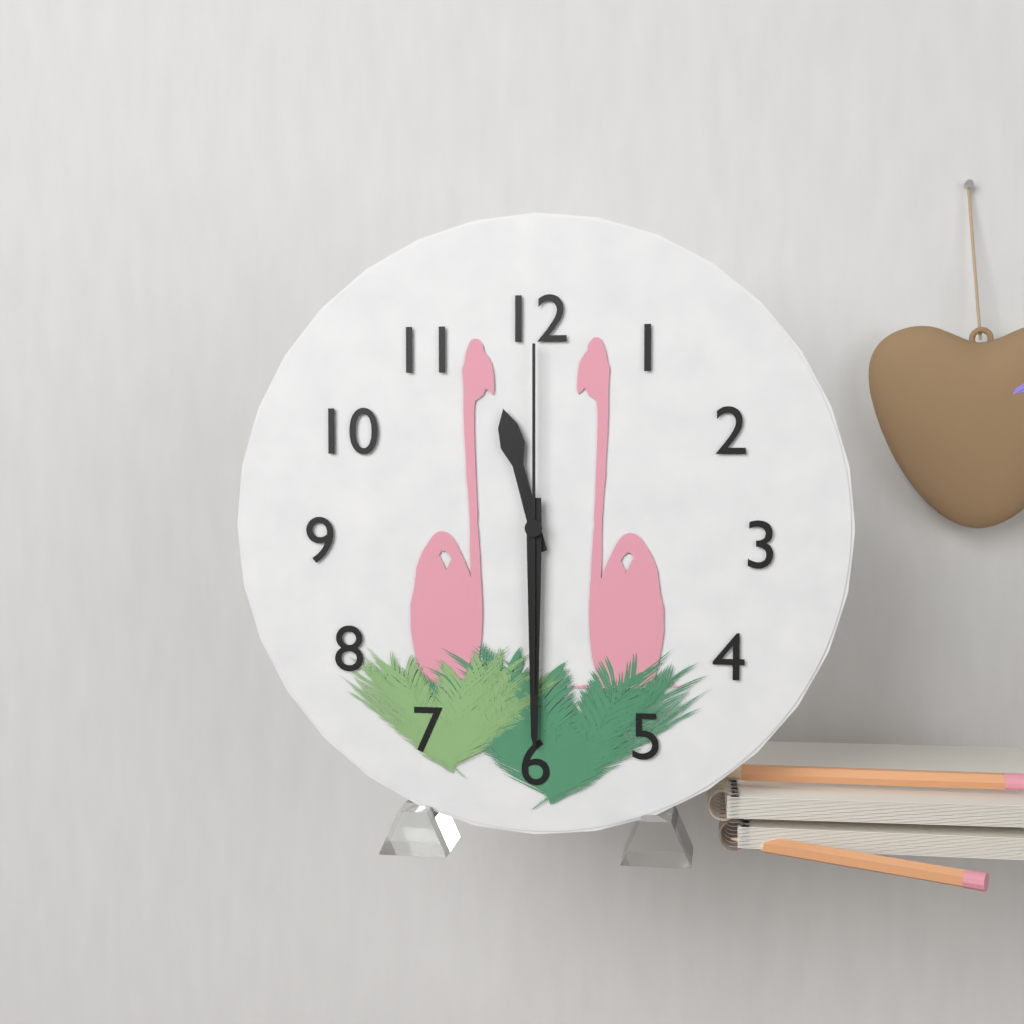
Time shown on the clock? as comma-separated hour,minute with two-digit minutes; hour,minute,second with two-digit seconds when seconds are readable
11,30,00
